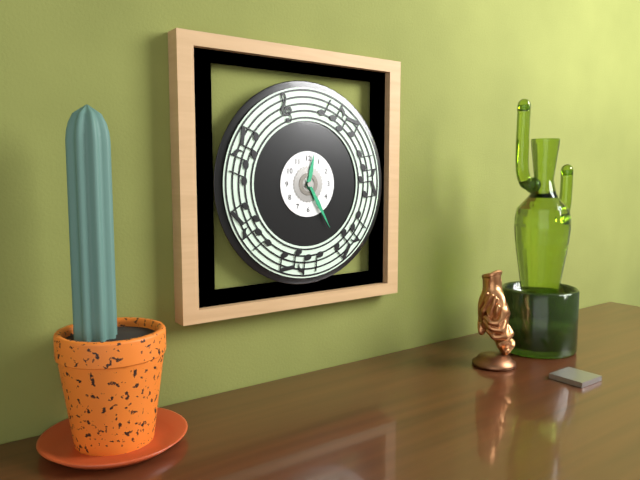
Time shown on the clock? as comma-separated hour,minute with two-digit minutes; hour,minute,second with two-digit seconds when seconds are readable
12,25
